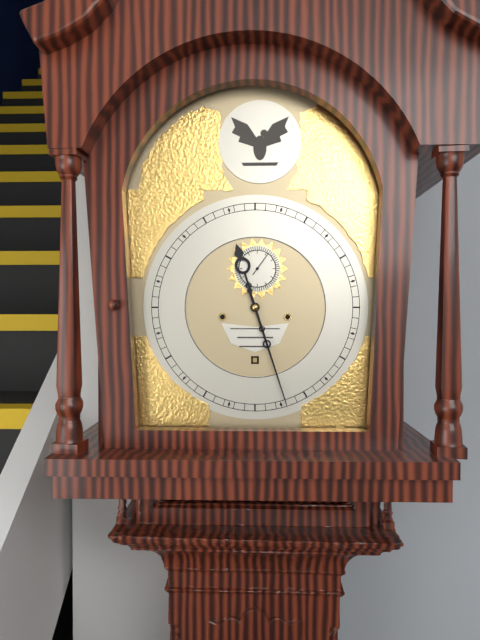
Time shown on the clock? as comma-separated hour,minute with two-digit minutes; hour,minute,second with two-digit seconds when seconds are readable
11,27
